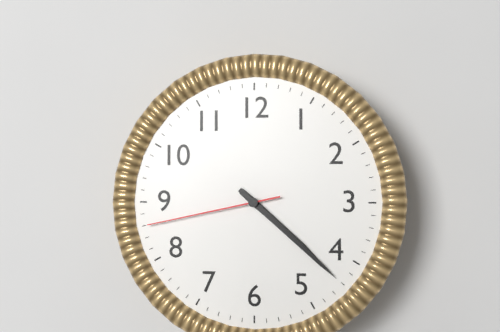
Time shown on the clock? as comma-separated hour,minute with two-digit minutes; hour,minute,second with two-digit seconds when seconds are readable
4,22,43
